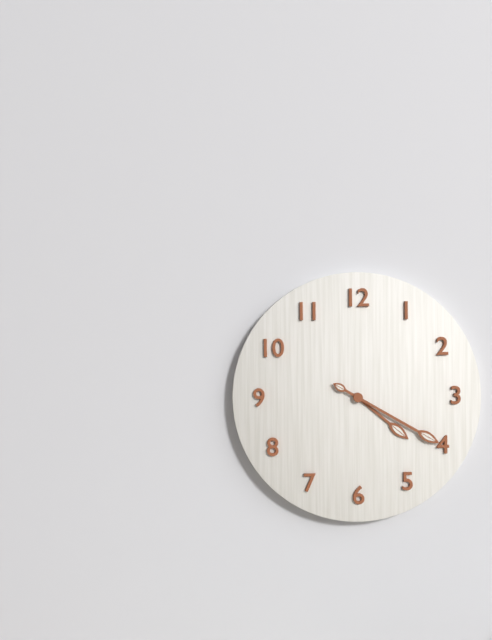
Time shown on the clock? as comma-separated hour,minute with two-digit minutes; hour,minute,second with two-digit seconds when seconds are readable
4,20
